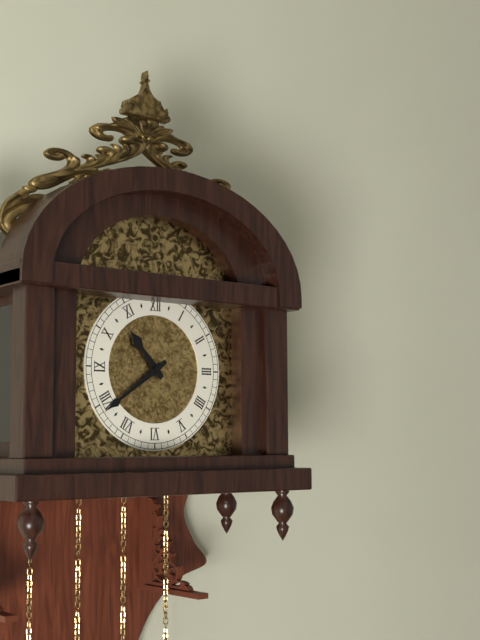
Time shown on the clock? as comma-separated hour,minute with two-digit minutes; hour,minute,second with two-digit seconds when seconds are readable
10,39
